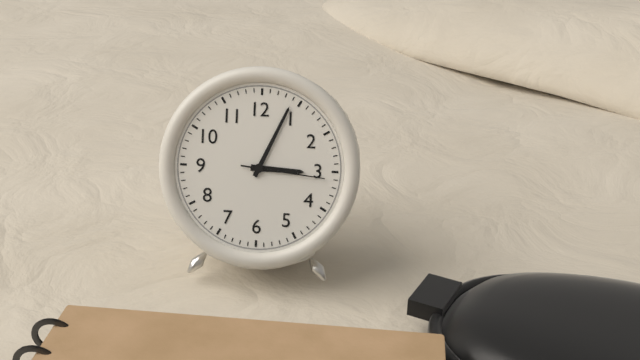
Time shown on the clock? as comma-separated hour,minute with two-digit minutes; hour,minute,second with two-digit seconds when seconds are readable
3,04,16
